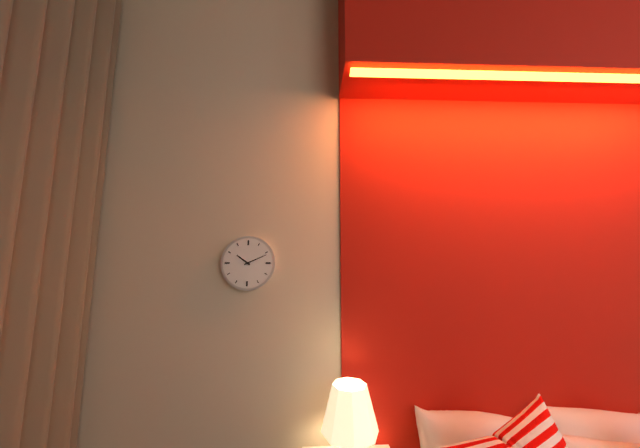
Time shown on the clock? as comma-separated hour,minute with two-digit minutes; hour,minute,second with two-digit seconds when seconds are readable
10,11
